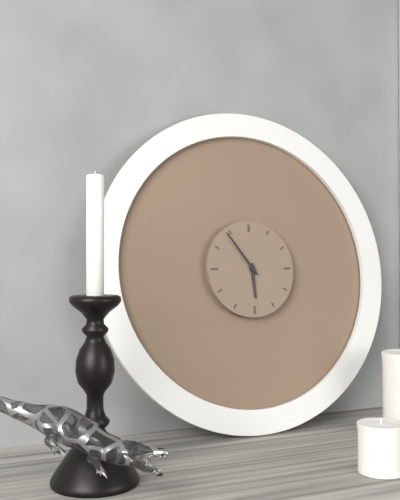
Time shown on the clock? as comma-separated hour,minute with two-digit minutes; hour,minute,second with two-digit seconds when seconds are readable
5,54
